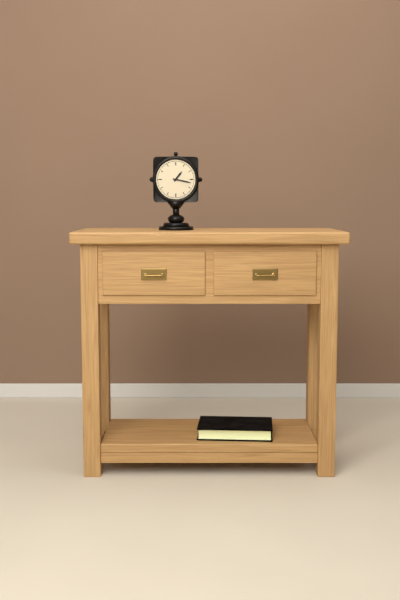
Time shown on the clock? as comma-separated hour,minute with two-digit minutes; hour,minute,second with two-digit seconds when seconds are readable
1,17
